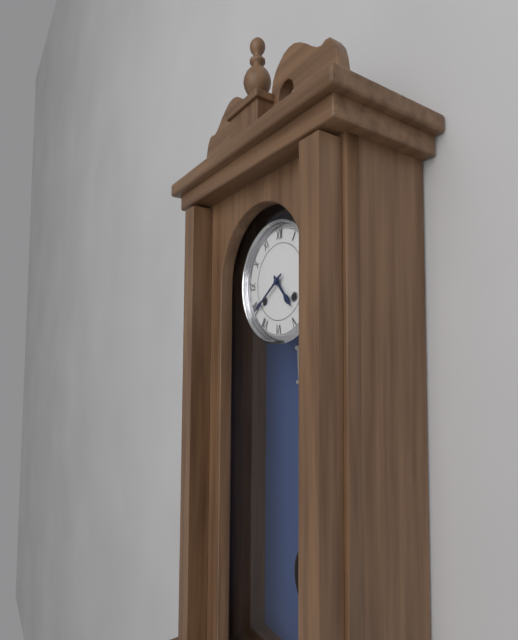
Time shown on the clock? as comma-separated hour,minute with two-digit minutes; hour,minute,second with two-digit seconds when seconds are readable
4,39
